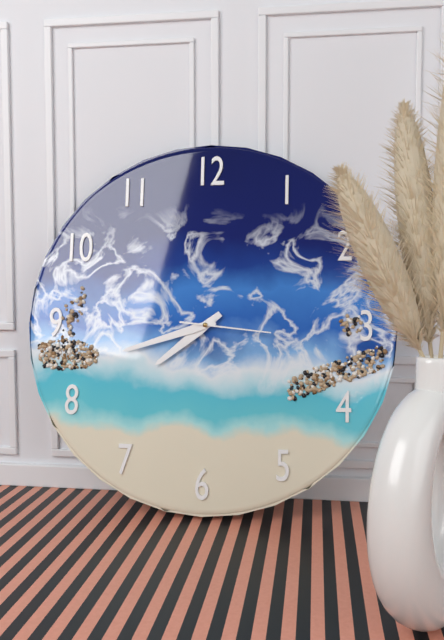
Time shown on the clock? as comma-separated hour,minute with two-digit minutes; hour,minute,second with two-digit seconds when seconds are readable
7,42,16
